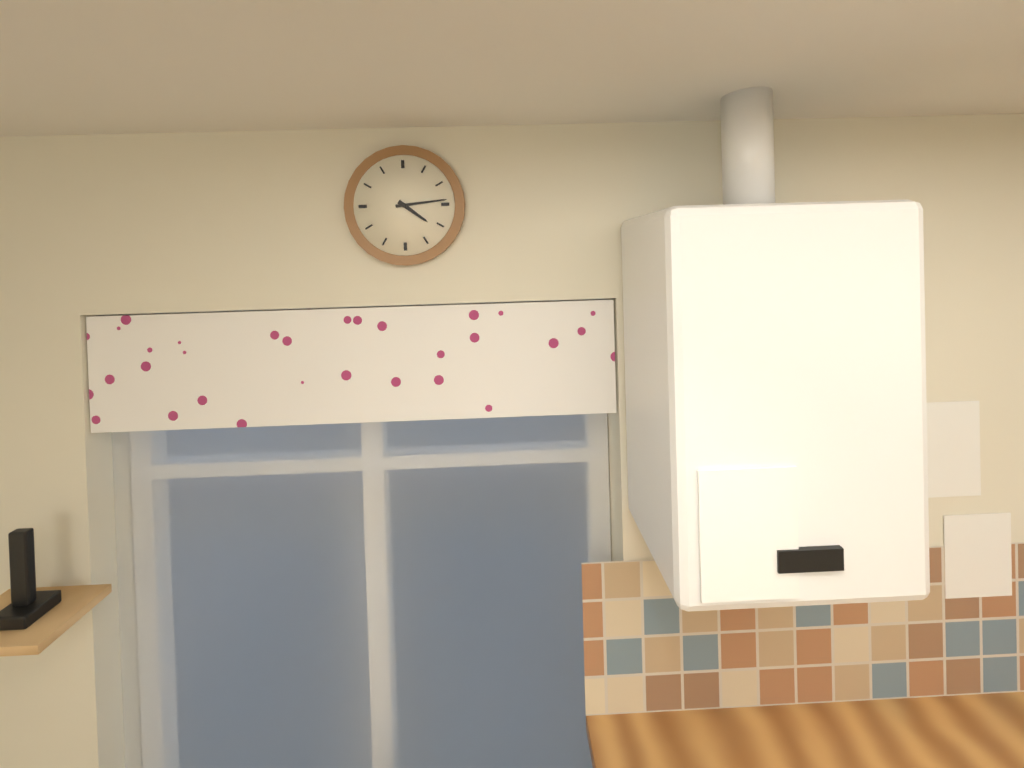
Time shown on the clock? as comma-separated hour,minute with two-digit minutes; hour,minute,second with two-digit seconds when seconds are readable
4,14
